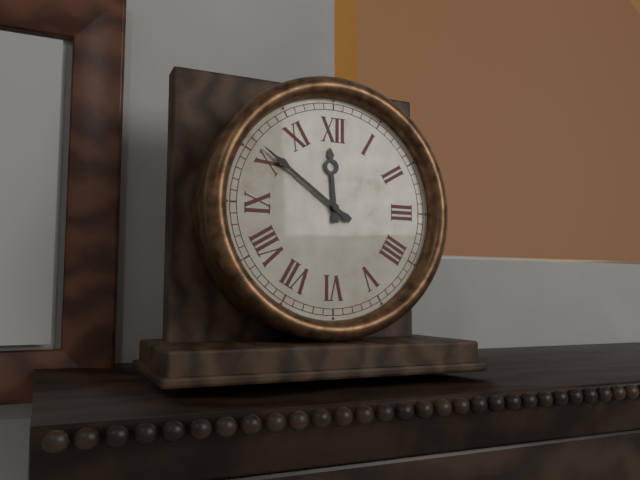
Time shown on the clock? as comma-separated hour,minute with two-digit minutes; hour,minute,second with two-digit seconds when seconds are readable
11,51
